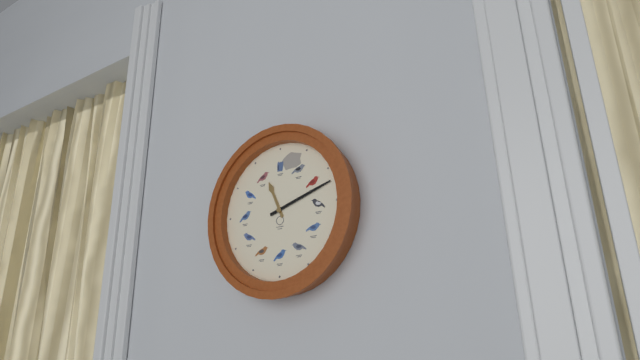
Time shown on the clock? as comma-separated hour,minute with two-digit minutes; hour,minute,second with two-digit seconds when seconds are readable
11,12
